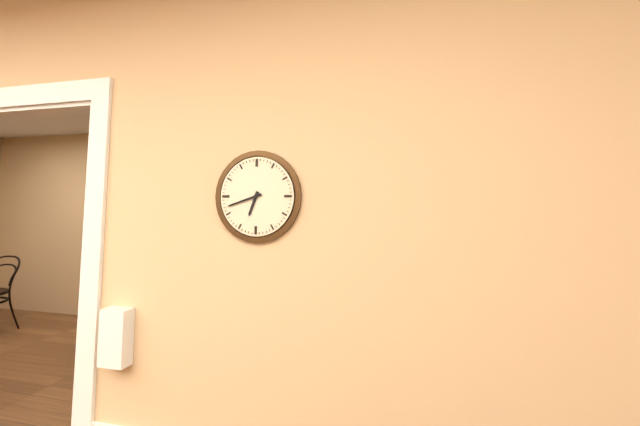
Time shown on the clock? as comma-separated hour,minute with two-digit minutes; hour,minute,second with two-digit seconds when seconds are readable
6,42
